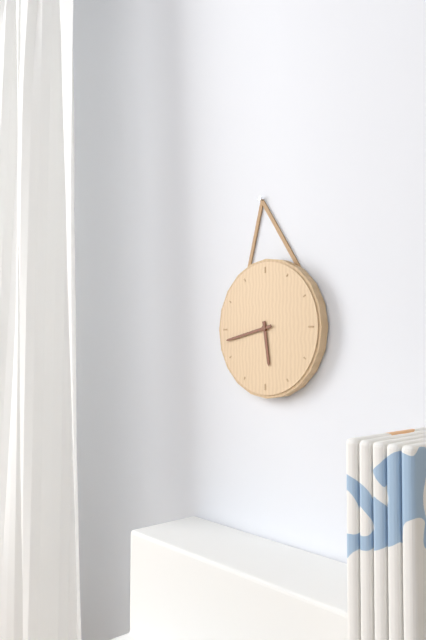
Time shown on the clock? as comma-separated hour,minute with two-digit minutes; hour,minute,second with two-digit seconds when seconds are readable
5,43
